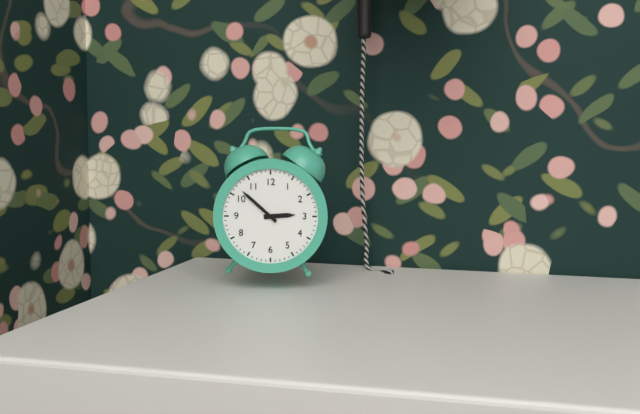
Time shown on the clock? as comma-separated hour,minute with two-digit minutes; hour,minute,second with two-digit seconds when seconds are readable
2,52
